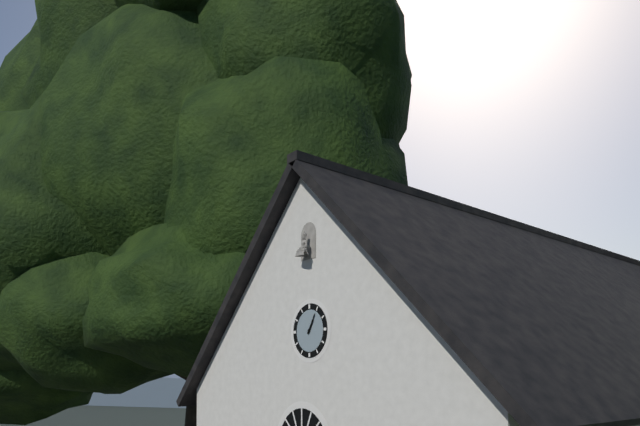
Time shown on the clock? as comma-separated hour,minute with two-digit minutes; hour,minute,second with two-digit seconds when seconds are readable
1,05
